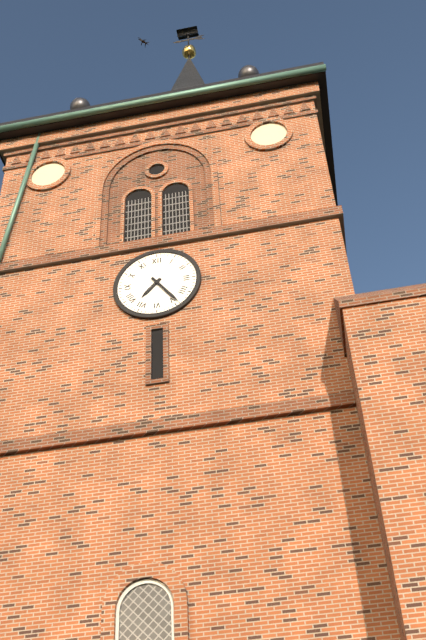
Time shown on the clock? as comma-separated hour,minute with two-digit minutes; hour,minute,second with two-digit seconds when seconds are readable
7,24
